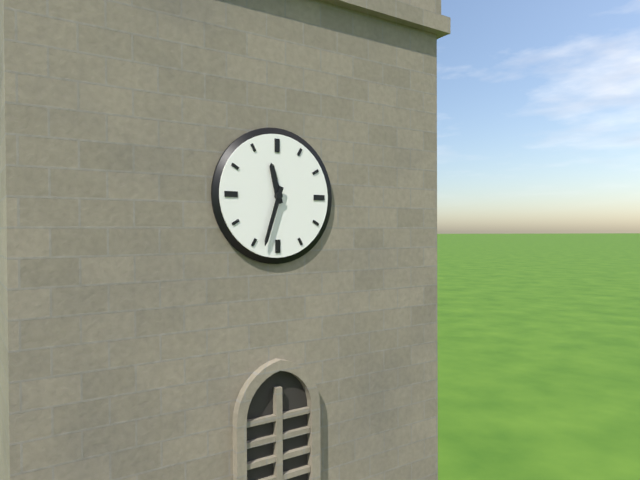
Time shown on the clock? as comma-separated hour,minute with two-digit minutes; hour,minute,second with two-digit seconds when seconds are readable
11,33
